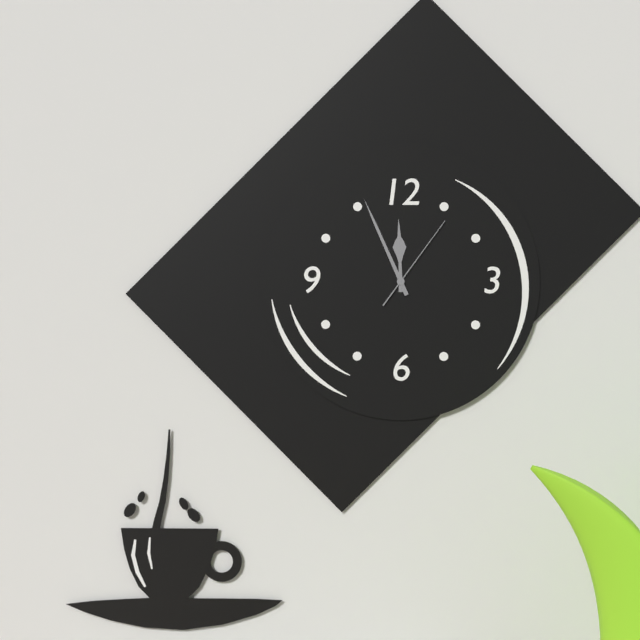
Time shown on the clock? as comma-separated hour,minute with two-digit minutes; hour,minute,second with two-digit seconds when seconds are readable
11,56,06
